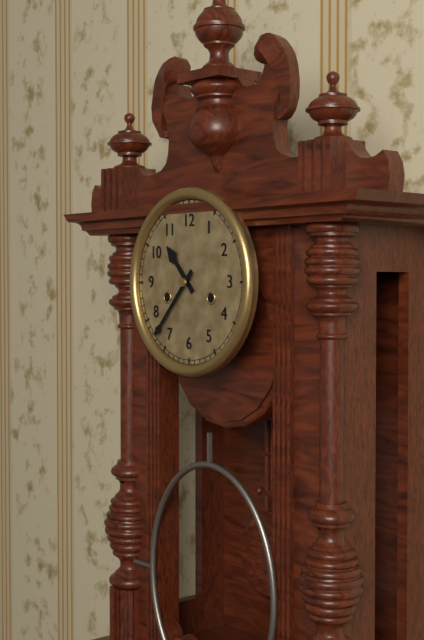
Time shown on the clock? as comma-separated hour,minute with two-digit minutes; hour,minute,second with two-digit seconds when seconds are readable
10,37
